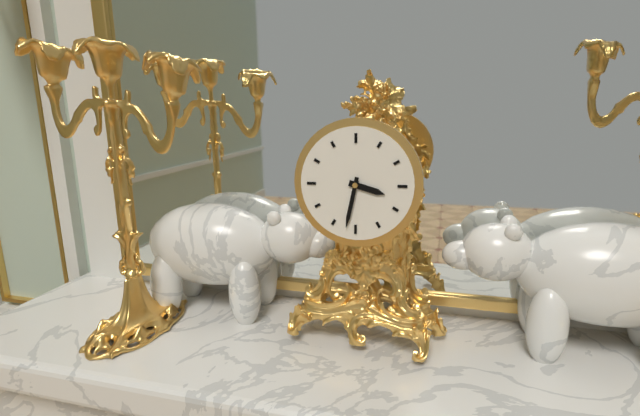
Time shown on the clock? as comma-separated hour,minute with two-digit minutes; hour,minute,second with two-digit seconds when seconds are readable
3,32
